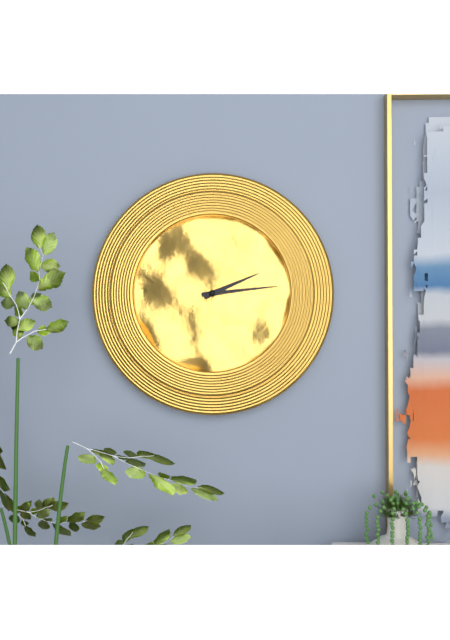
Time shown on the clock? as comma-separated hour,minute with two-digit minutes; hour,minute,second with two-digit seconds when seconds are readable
2,14
